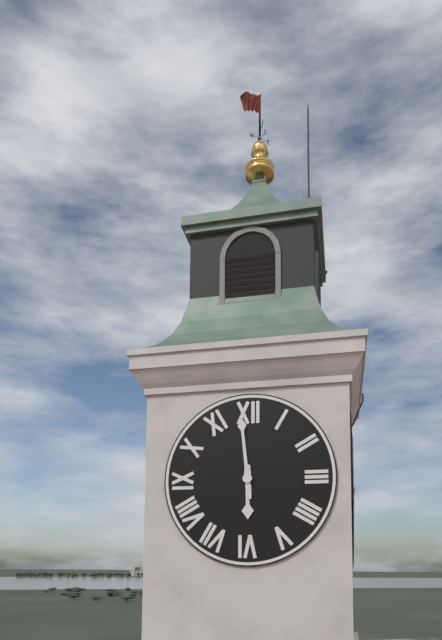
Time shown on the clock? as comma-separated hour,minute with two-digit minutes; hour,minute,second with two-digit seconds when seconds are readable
5,59
